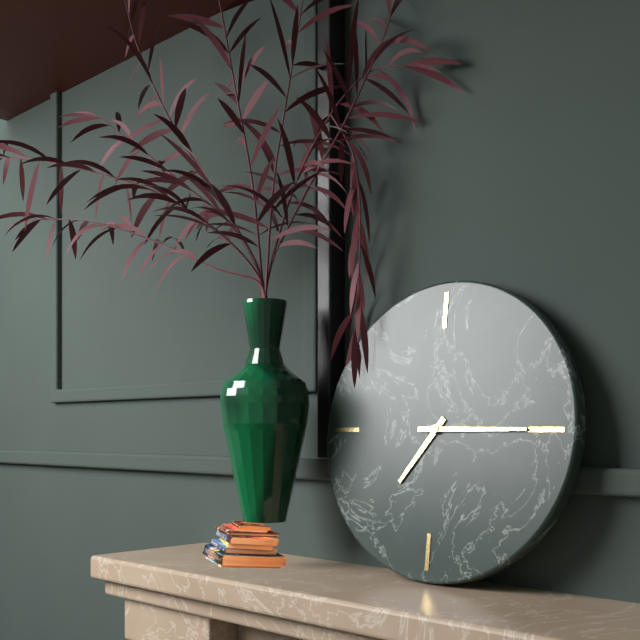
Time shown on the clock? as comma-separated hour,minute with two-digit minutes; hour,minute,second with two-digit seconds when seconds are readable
7,15
